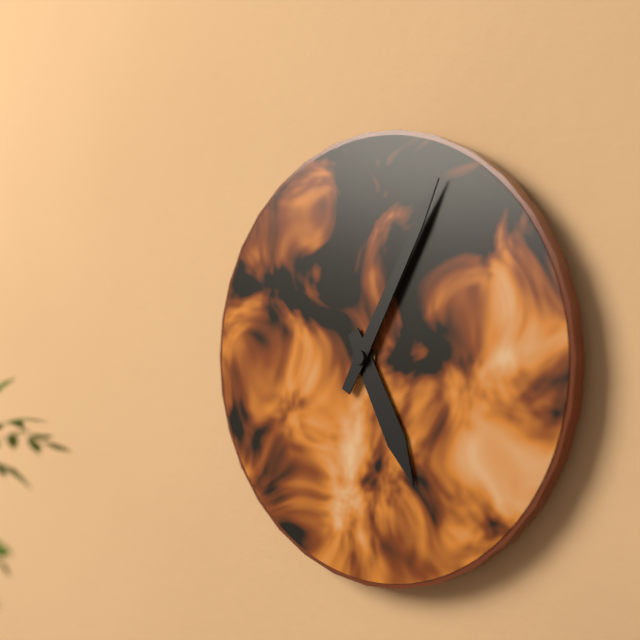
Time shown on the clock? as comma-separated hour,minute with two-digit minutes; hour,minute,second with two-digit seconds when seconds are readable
5,05
